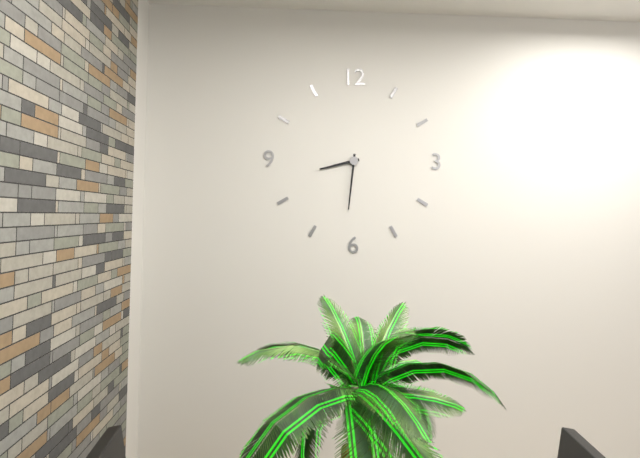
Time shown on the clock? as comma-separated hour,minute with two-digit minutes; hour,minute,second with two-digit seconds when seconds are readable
8,31
